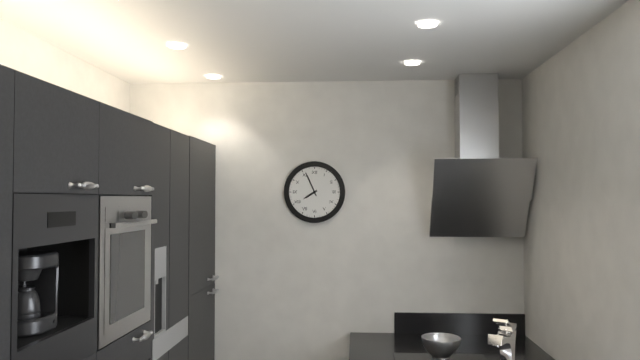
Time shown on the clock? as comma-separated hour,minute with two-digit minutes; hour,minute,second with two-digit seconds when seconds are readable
7,56
